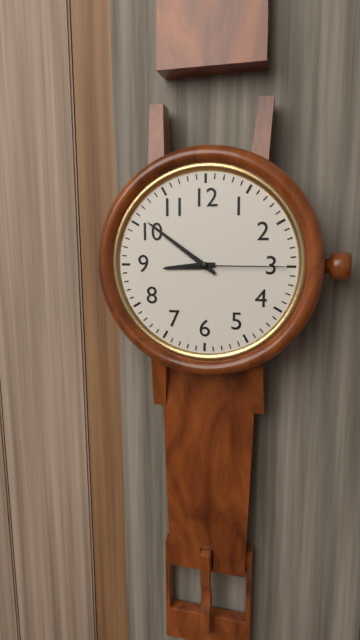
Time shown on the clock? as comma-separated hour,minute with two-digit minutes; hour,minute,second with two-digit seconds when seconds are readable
8,51,15
